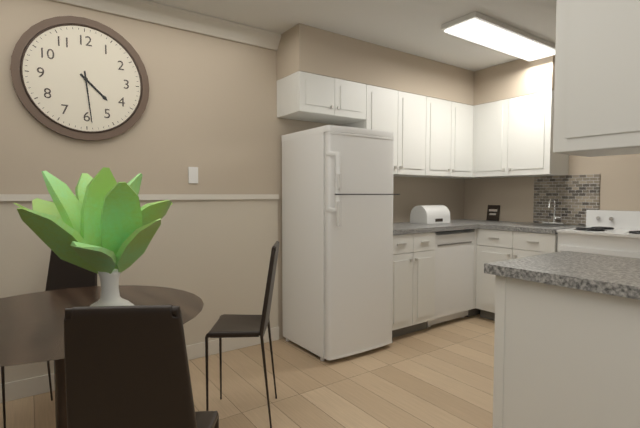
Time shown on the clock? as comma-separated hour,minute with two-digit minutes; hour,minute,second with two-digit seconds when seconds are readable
4,29
